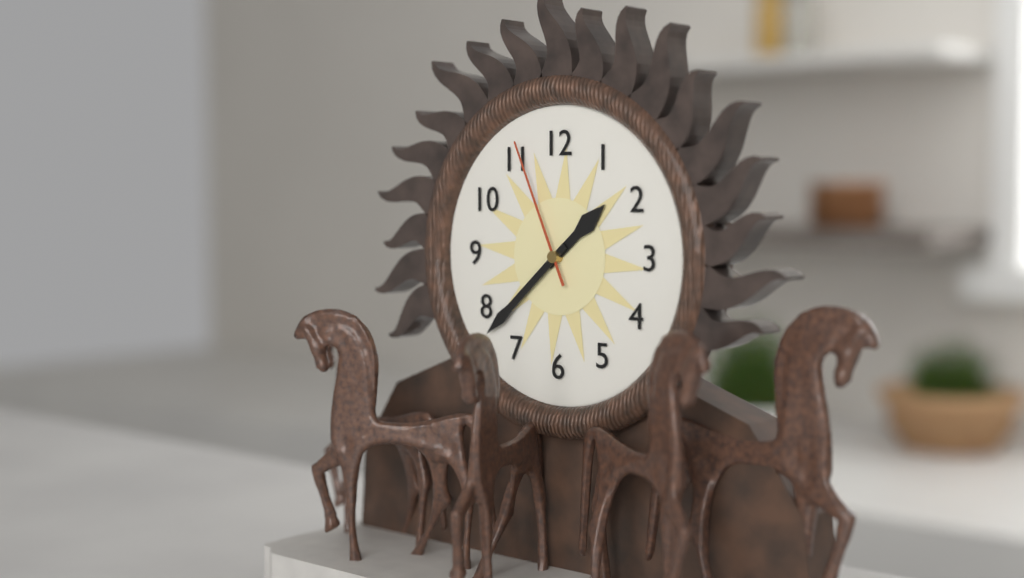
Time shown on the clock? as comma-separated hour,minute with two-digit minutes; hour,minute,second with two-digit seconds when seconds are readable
1,38,56
